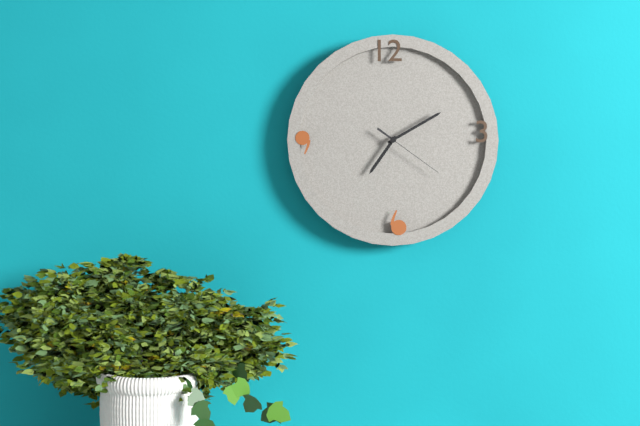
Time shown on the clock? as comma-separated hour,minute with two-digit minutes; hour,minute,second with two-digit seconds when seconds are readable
7,10,21
